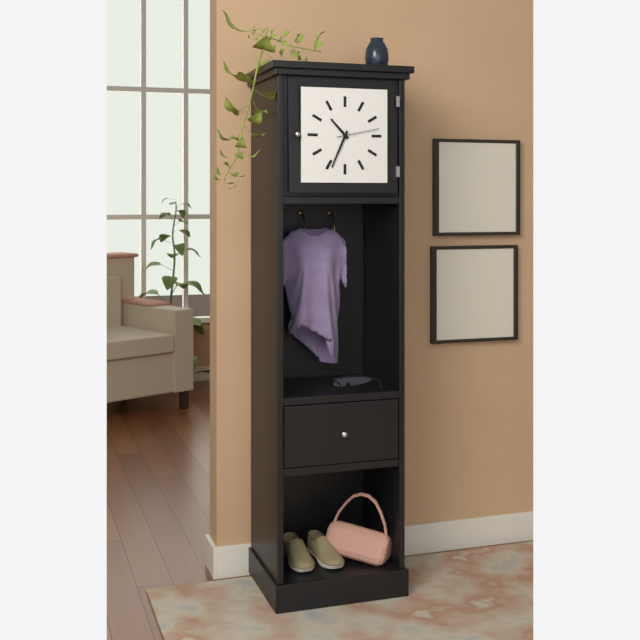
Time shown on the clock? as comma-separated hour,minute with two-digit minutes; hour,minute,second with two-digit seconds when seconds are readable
10,34
